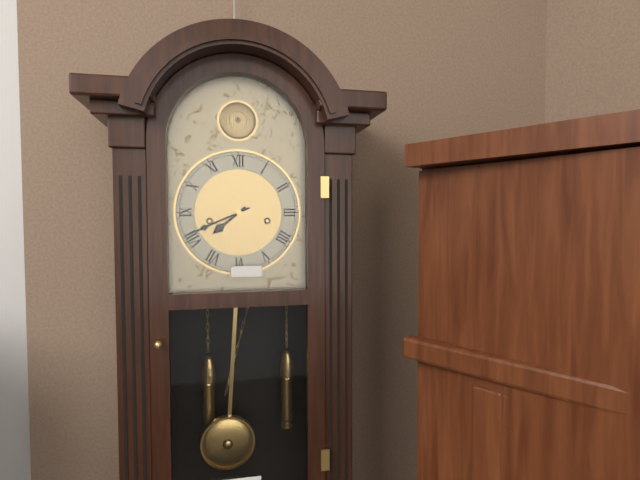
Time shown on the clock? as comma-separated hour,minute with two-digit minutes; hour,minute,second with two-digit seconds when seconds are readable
7,41
